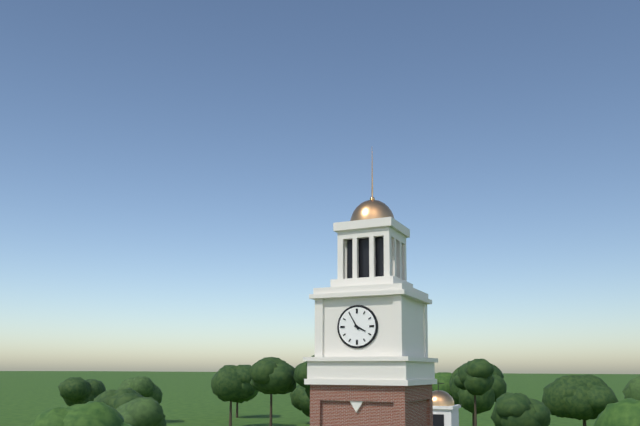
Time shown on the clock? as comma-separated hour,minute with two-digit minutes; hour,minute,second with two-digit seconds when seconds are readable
3,55
